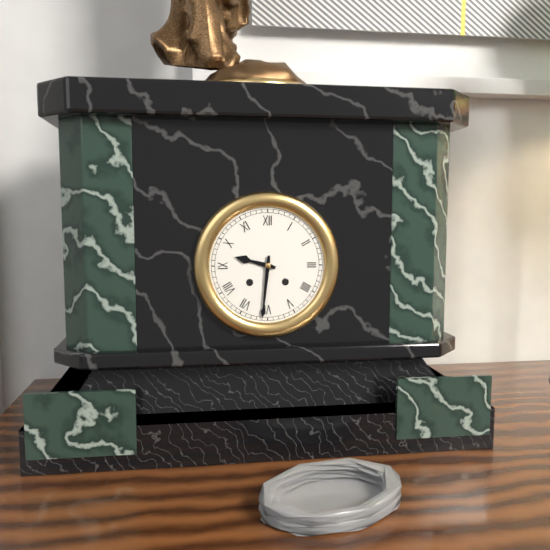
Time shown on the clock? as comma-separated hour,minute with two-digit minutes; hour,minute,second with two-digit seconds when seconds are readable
9,31
